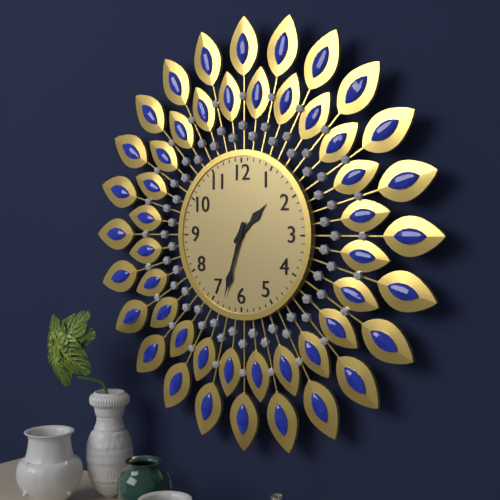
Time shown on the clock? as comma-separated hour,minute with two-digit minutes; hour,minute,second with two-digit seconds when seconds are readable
1,33
